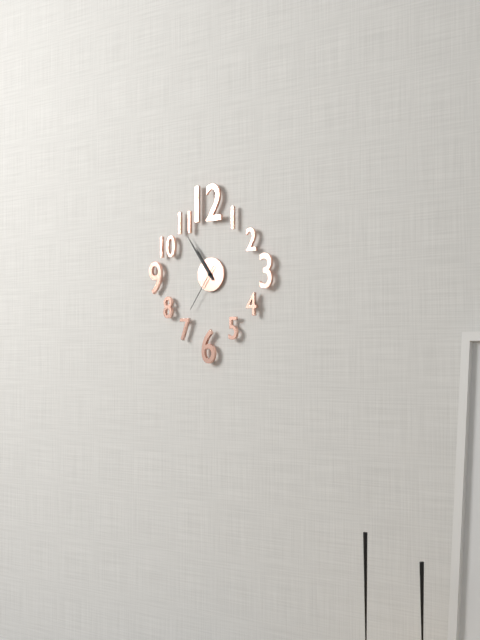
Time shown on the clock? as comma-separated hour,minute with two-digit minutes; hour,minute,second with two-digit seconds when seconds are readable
10,54
